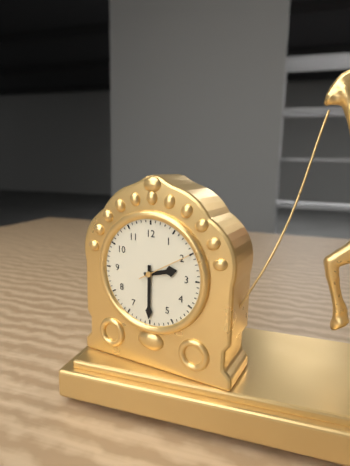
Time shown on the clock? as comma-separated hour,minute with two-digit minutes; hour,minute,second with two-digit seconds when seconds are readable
2,30,10
